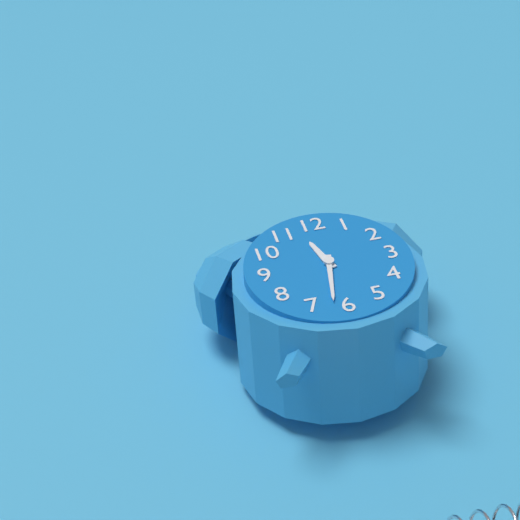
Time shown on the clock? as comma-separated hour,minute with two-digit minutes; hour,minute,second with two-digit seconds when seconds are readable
11,32
